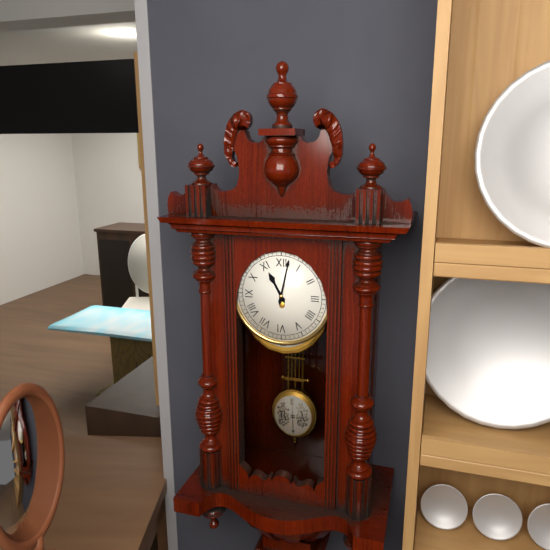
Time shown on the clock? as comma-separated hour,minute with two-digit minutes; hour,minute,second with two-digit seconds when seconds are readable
11,02
